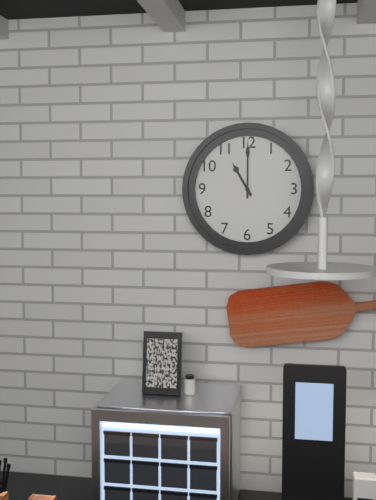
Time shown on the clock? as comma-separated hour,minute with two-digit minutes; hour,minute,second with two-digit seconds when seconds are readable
11,00
